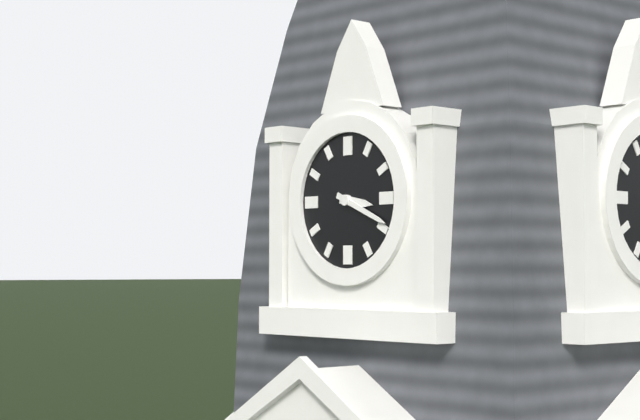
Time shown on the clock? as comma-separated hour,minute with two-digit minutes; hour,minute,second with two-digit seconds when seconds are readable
3,19
